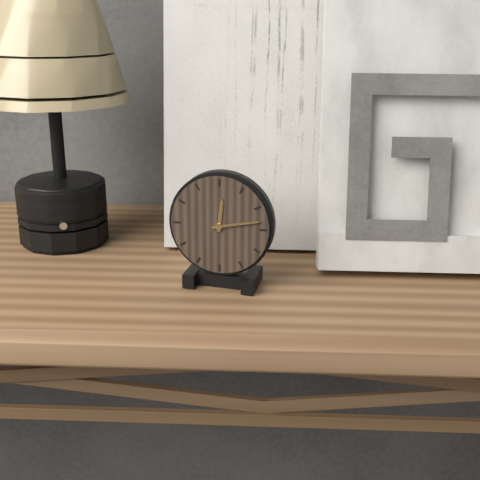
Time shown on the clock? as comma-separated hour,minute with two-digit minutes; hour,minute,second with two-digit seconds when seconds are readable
12,13
